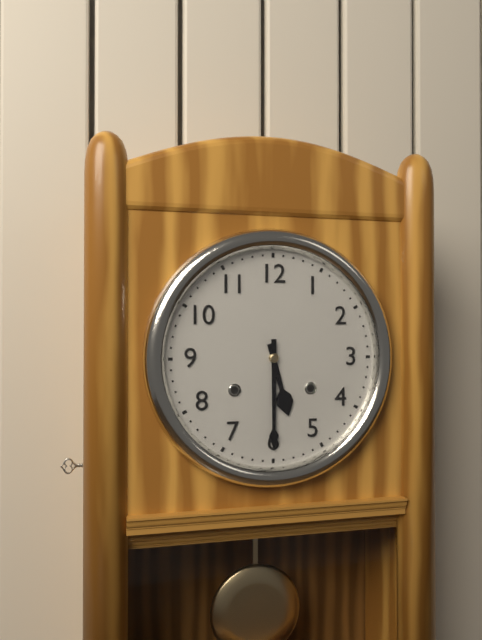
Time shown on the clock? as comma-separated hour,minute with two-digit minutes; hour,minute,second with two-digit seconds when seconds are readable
5,30
